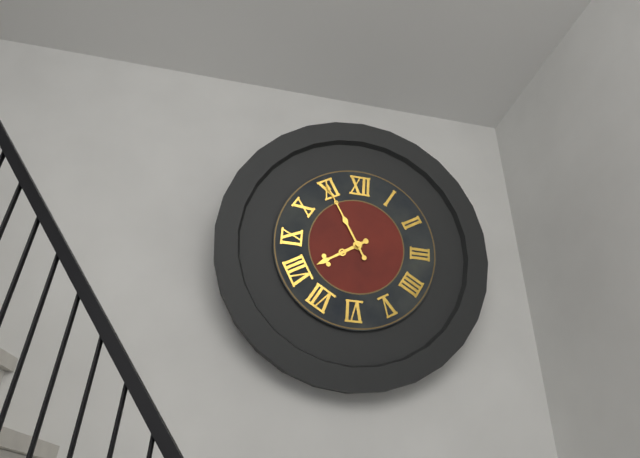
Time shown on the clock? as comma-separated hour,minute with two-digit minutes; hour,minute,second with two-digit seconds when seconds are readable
7,55
